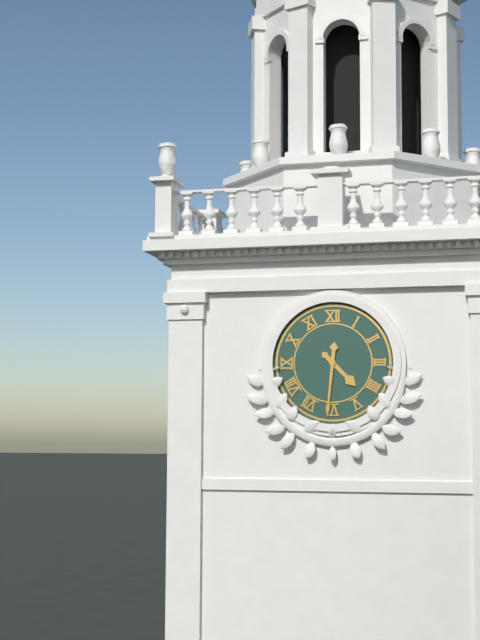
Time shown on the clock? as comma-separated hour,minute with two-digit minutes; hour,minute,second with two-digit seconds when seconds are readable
4,31
